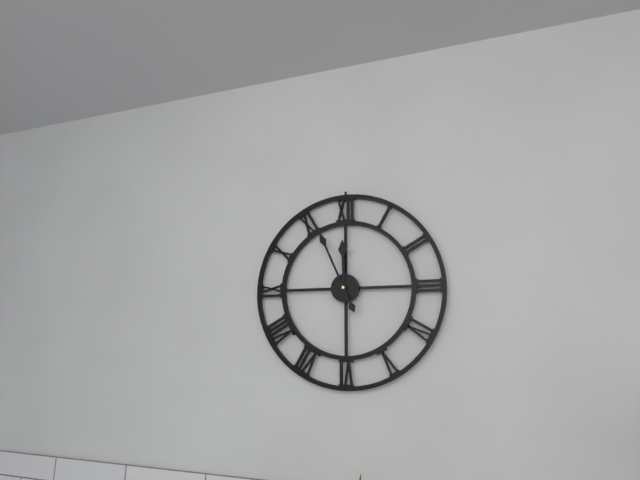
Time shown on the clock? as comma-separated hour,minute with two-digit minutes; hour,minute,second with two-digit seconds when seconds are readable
11,56
